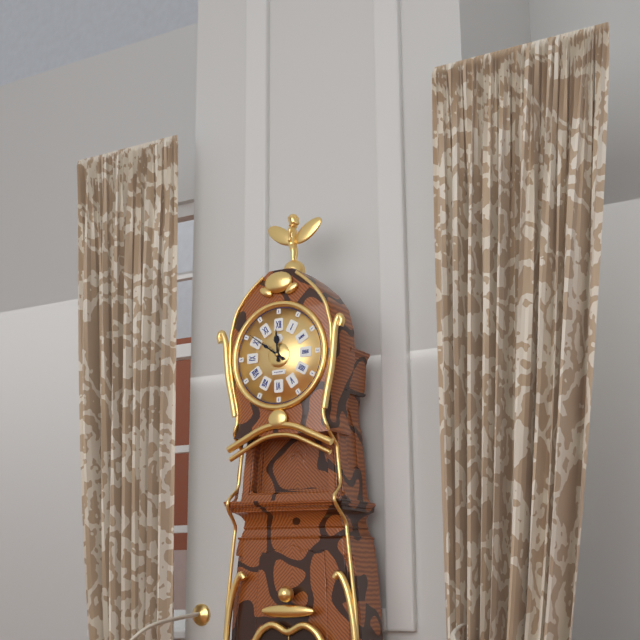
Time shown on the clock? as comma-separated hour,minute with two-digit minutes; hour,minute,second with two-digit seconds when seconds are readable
11,51
